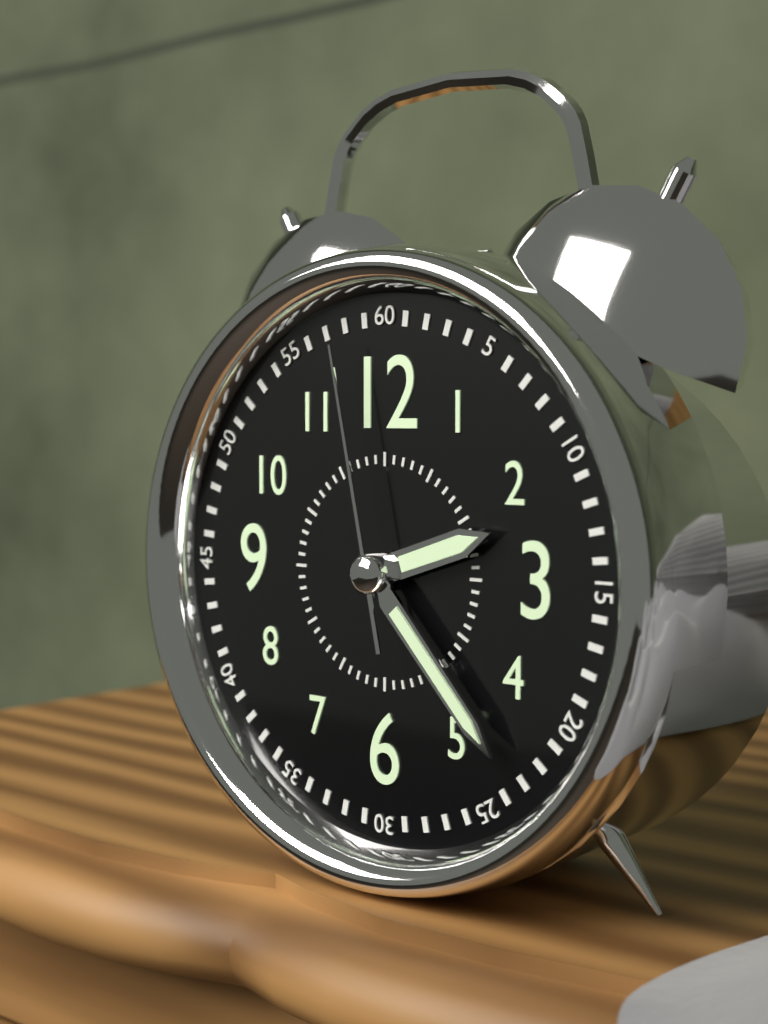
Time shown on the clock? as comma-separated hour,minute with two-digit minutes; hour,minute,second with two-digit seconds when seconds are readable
2,23,58
